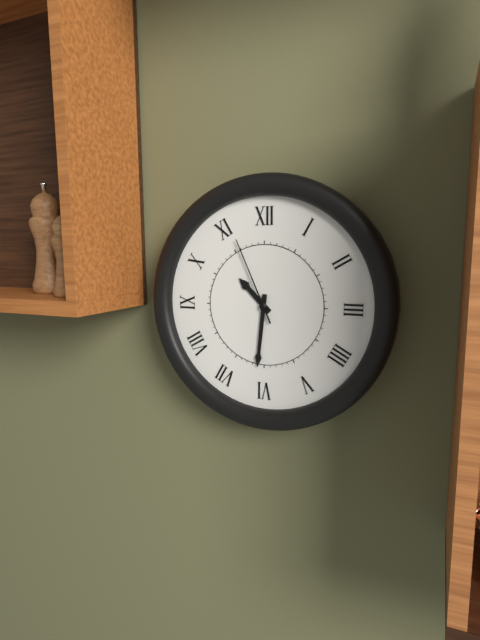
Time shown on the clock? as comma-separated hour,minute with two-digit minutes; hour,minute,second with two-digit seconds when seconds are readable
10,31,56
